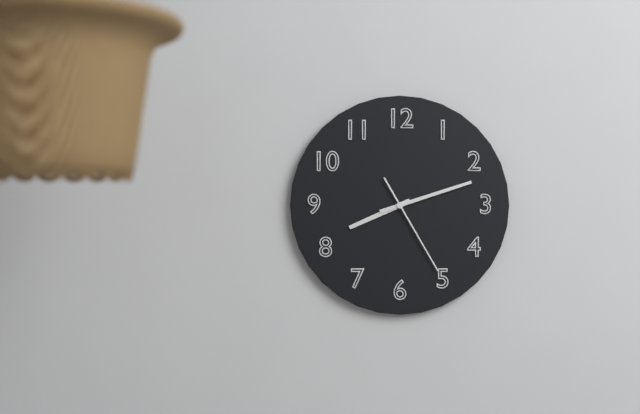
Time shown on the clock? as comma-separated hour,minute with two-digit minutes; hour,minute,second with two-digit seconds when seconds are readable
8,12,25
